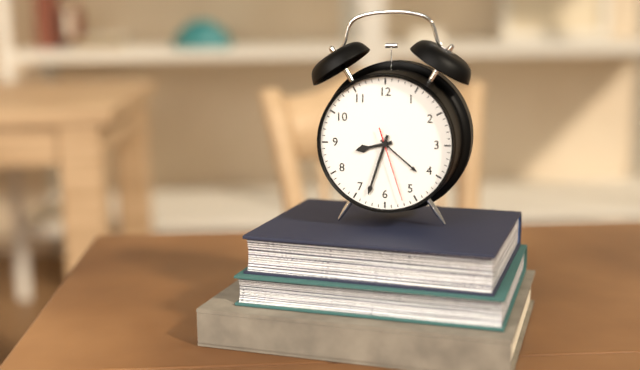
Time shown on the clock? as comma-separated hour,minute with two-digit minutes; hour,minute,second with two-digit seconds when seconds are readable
8,33,27
